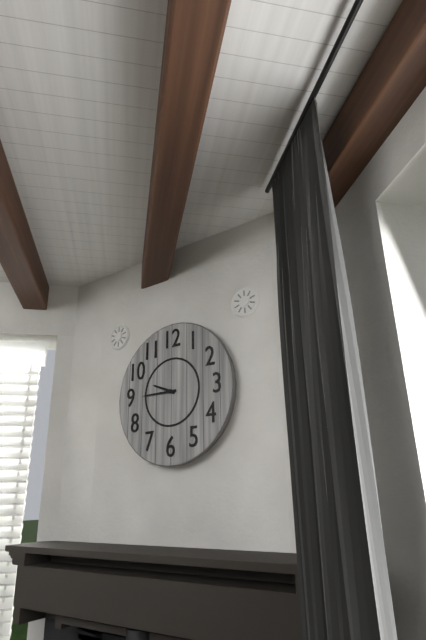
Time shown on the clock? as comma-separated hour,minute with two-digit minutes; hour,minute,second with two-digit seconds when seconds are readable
9,45
